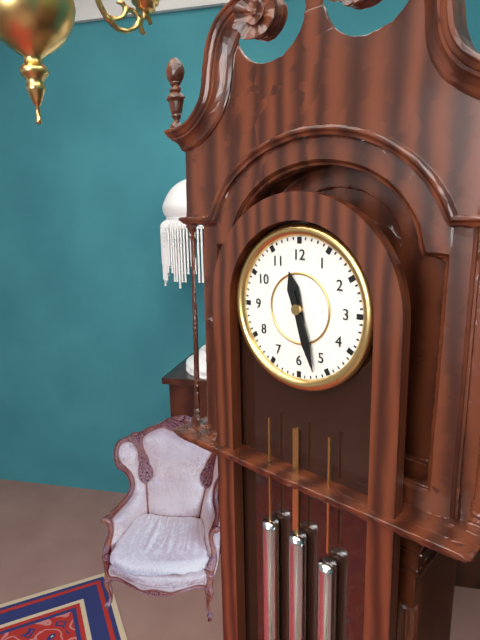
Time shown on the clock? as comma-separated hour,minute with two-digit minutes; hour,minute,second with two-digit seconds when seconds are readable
11,27
